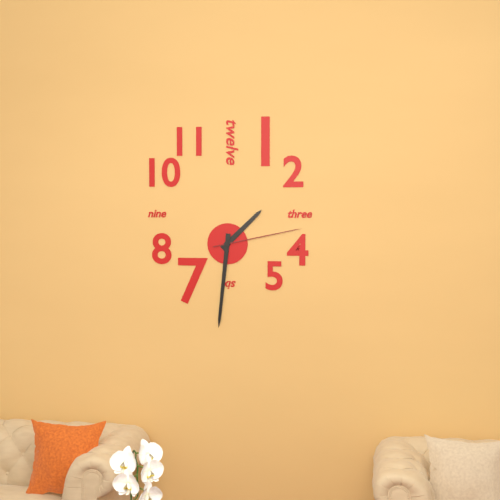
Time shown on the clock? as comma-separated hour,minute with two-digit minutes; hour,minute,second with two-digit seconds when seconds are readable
1,31,13
